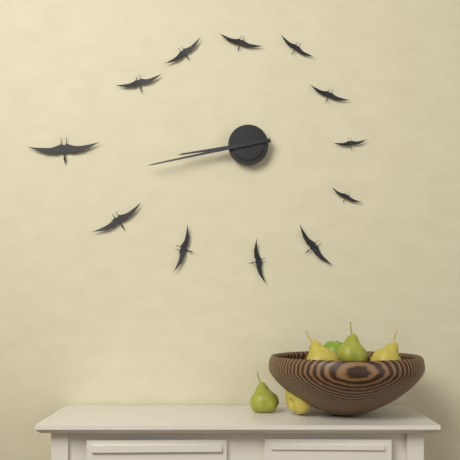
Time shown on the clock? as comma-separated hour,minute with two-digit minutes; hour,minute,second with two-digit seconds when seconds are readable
8,43
